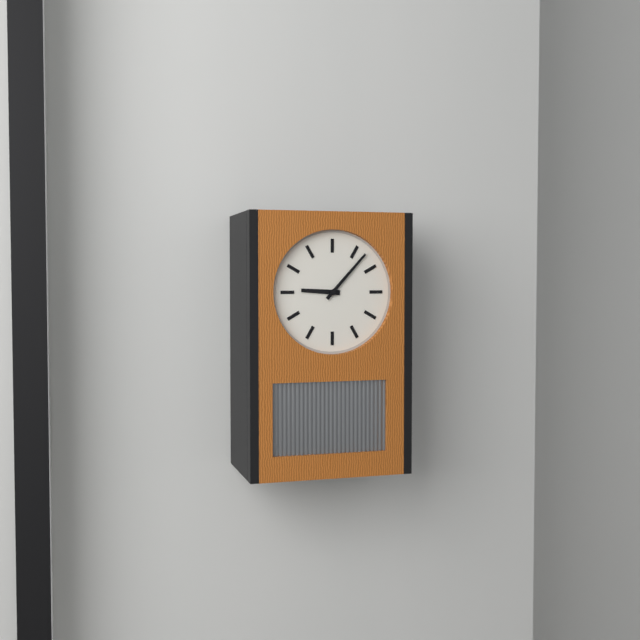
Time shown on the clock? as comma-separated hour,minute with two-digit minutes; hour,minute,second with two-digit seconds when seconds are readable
9,07
